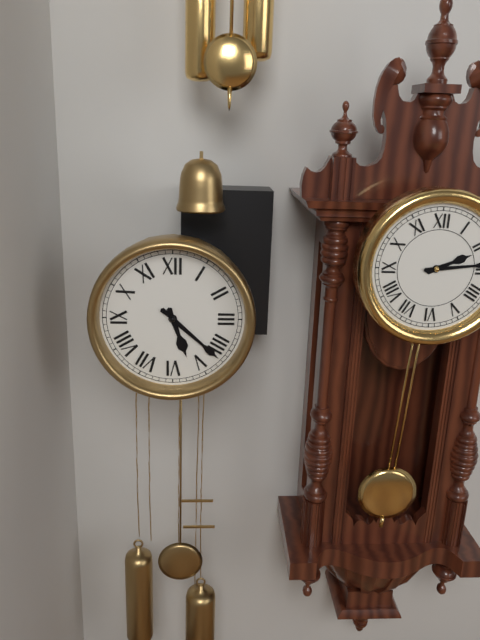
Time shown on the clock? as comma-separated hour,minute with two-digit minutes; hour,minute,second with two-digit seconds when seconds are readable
5,22
